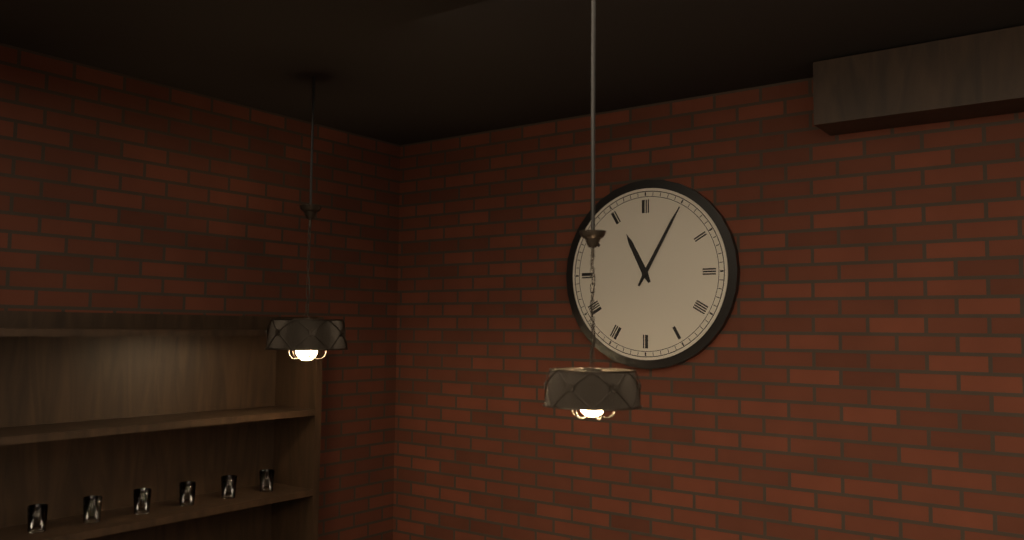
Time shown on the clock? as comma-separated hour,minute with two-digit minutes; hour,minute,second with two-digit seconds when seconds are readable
11,05
